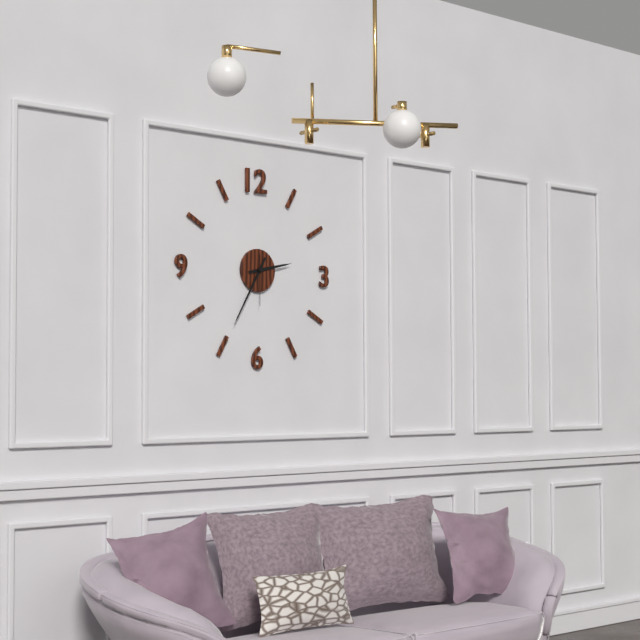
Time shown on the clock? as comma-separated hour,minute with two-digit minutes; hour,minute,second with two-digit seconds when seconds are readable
2,35
